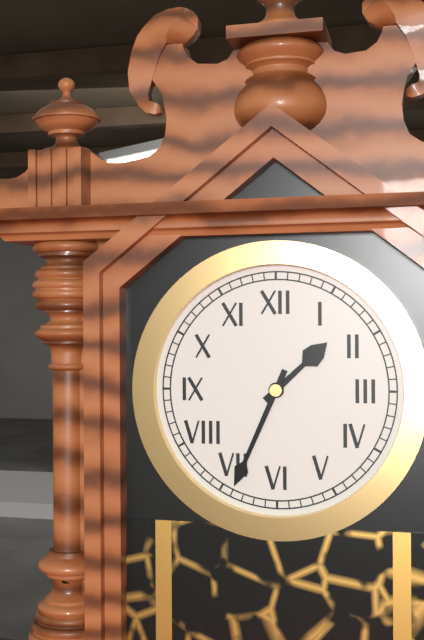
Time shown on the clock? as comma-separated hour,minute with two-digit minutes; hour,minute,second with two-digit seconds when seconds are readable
1,34
